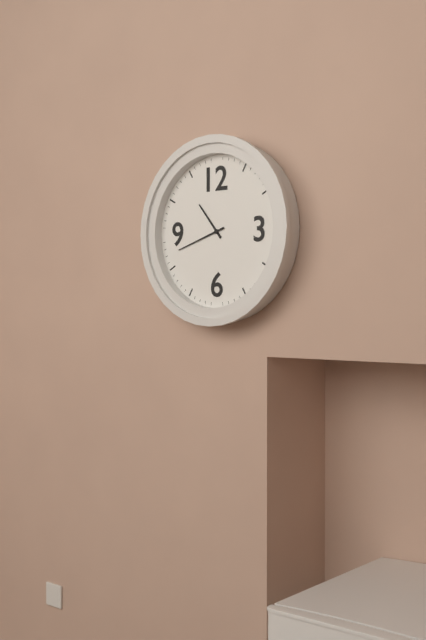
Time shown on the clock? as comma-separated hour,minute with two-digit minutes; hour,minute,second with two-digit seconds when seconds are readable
10,42
